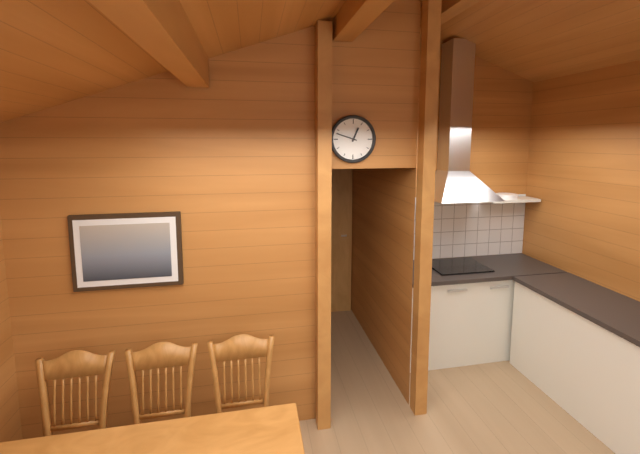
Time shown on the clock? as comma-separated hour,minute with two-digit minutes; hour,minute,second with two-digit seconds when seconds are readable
12,48
